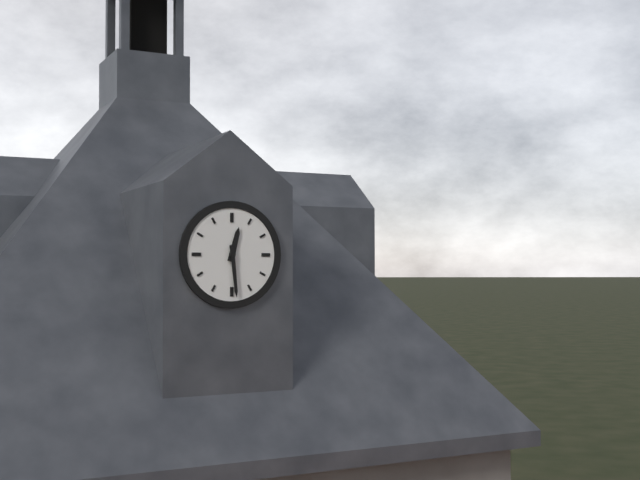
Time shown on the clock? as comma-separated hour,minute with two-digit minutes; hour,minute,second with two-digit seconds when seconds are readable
12,29
